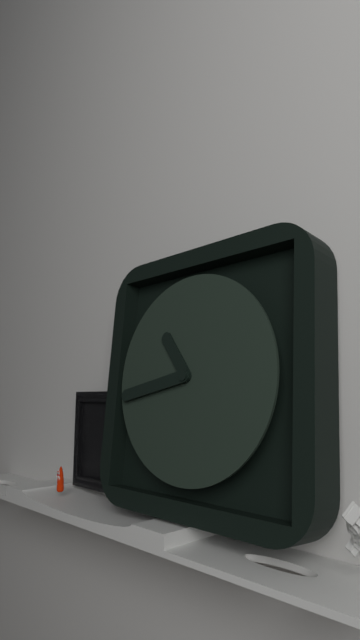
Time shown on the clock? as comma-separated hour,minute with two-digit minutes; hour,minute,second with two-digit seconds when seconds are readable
10,43
